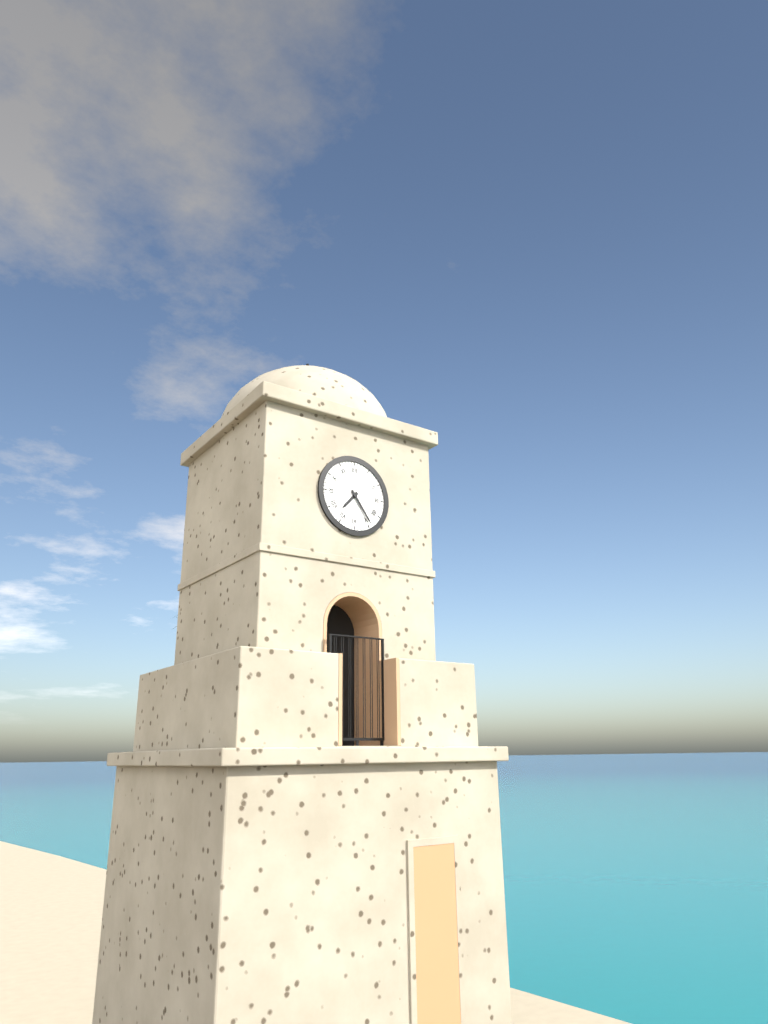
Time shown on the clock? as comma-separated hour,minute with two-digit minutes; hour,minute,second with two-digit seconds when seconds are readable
7,24
